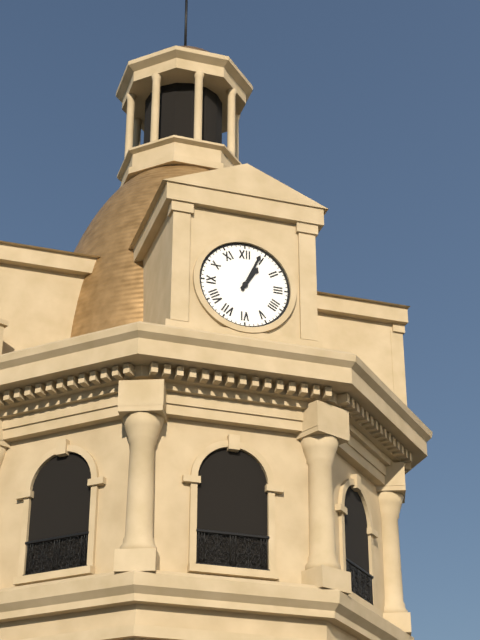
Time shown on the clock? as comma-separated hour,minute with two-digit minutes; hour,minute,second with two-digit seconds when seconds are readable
1,04
